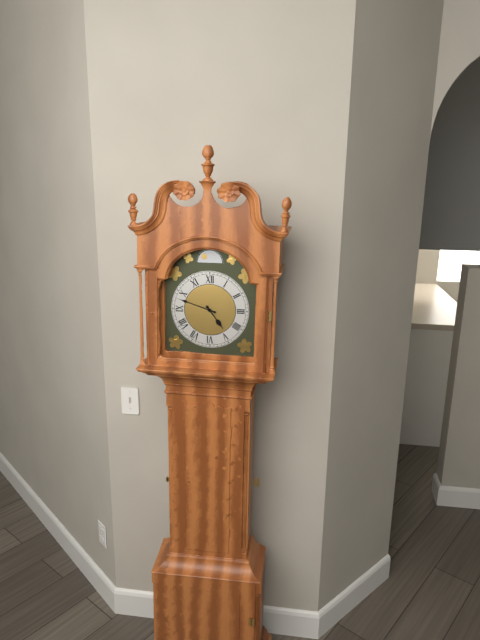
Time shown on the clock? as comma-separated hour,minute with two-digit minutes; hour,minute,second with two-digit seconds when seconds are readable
4,48
